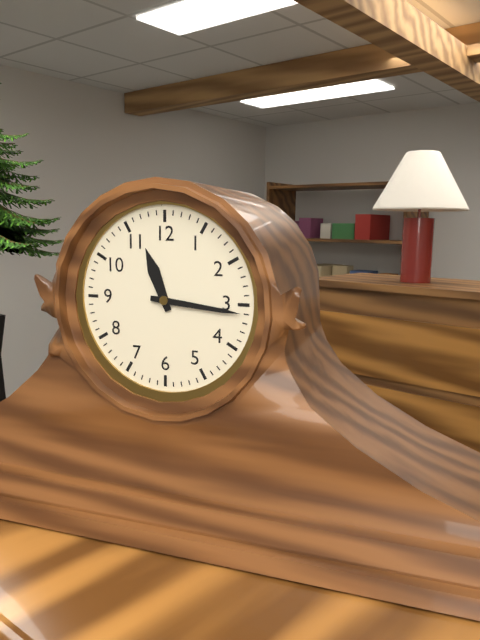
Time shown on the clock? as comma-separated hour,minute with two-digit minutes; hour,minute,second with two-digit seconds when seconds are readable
11,16
